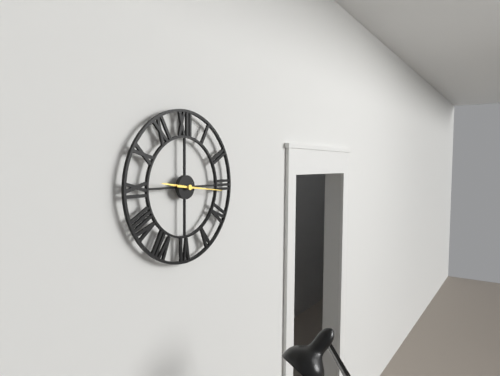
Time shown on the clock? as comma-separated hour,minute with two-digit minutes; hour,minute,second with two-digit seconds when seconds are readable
9,16
